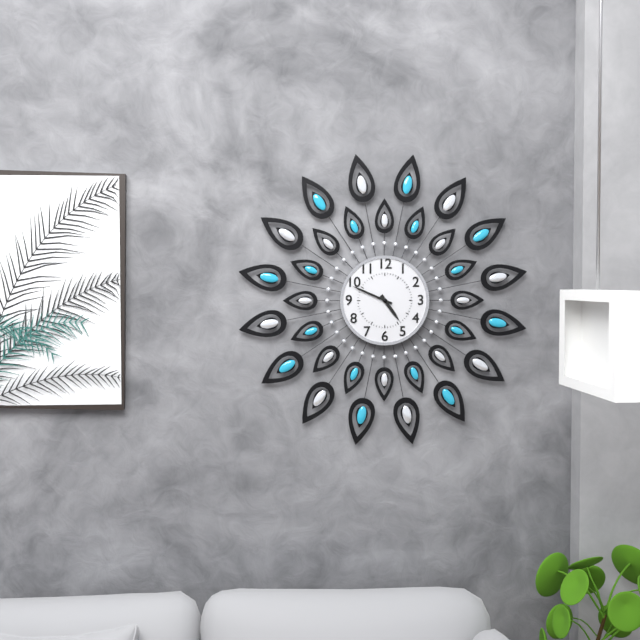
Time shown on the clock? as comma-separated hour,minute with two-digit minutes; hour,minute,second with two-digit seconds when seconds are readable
4,49
